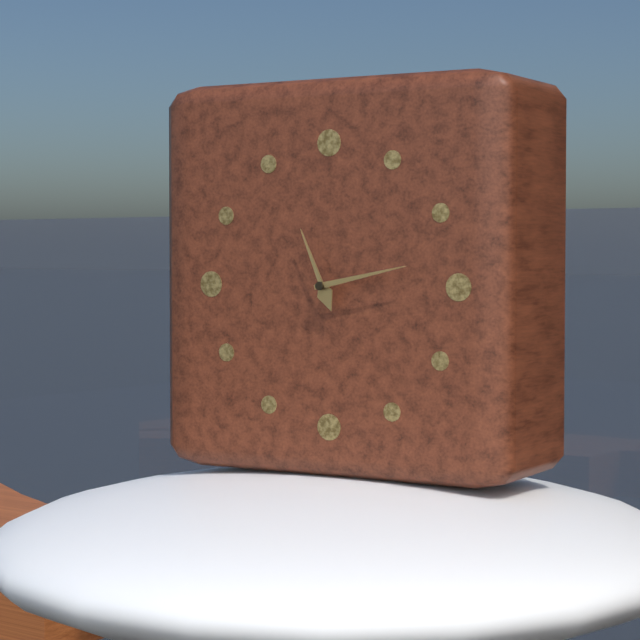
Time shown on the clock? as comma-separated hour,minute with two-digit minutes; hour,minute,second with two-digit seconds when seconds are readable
11,13
